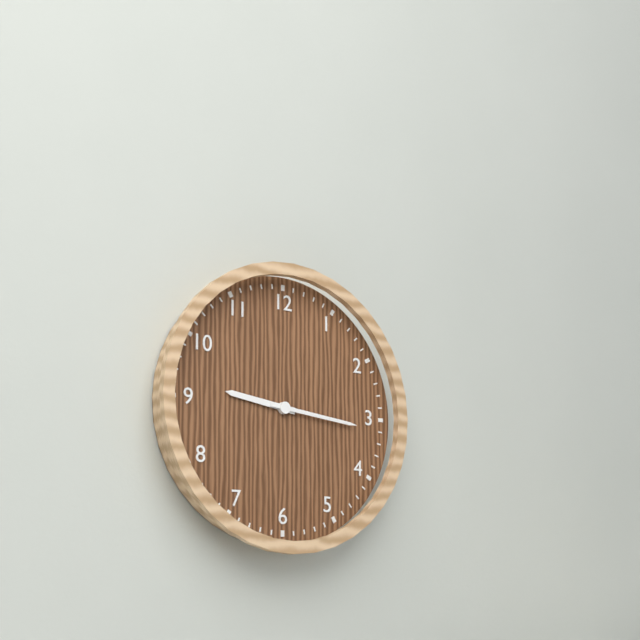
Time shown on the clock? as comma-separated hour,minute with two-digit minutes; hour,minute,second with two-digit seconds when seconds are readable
9,16
